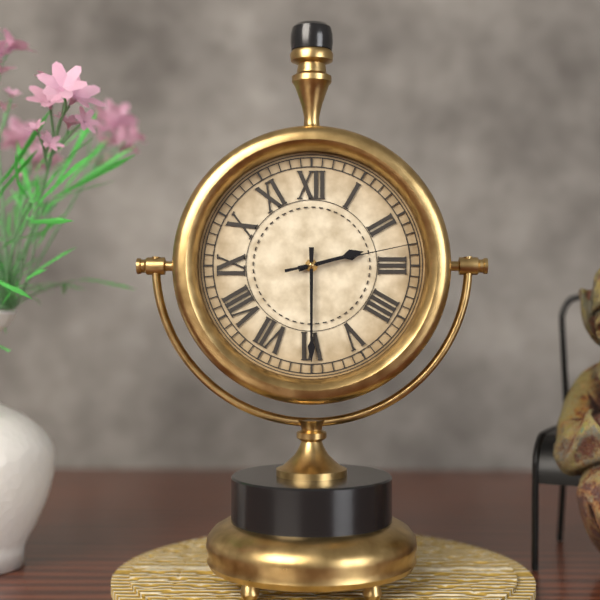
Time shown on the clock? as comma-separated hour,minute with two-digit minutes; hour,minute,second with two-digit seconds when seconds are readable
2,30,13
